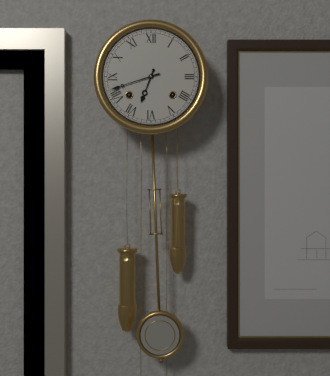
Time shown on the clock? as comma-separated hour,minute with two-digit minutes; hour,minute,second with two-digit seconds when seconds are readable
6,42
